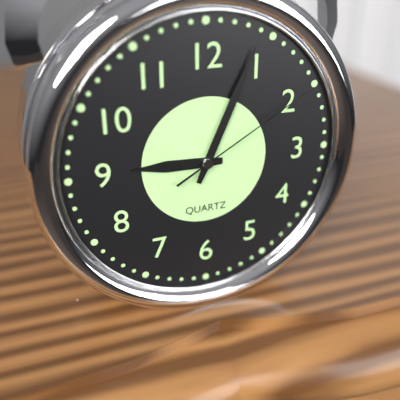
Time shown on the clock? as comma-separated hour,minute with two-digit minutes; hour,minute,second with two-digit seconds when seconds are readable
9,04,10
